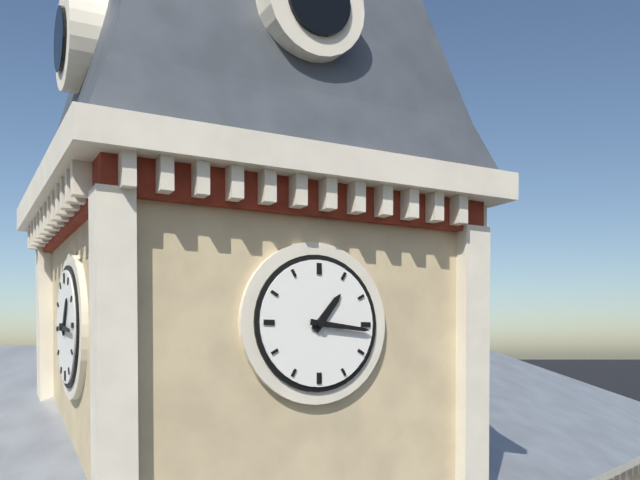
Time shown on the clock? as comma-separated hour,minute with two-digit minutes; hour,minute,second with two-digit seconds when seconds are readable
1,16
